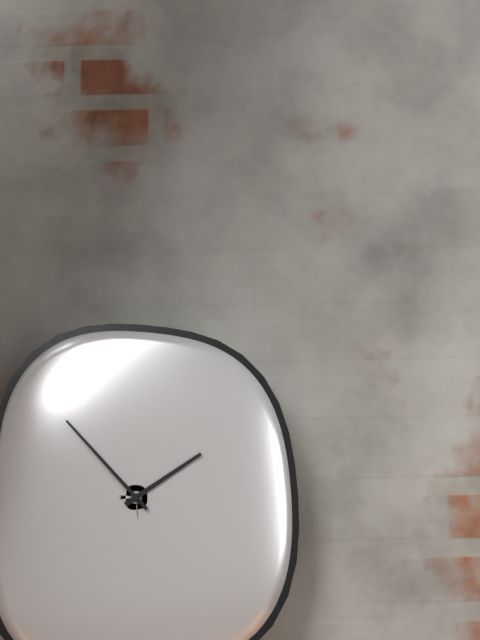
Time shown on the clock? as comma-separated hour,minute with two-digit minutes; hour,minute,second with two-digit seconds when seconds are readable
1,53
